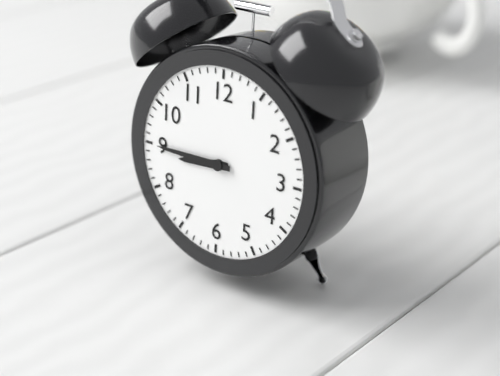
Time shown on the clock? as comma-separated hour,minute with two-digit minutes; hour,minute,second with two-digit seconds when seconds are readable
8,45
